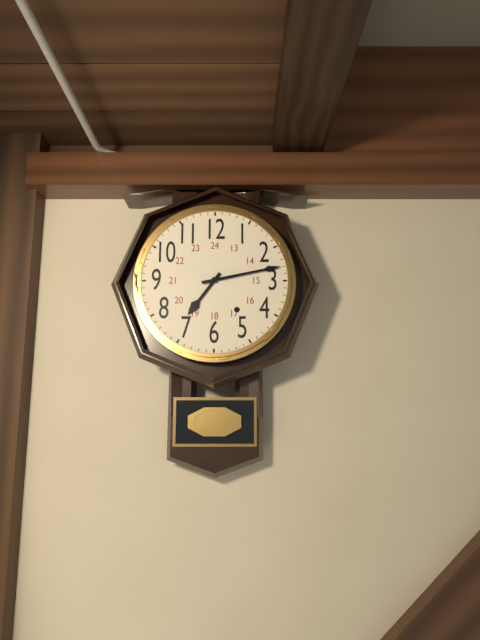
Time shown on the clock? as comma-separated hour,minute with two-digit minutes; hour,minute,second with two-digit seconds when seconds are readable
7,13
